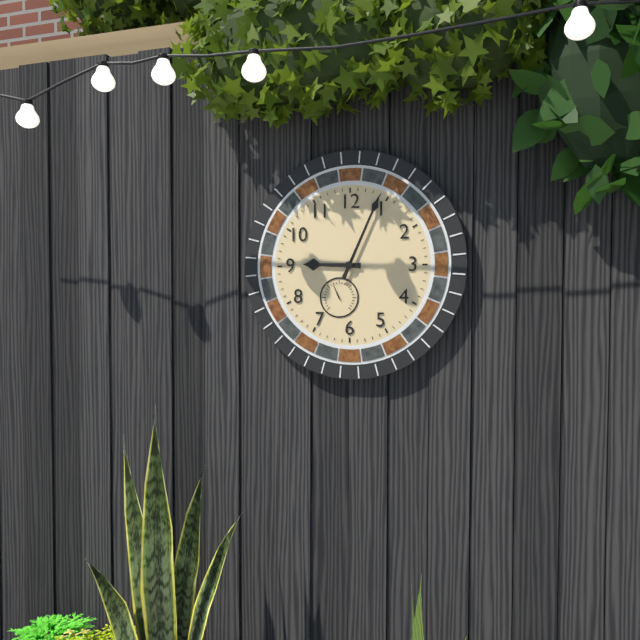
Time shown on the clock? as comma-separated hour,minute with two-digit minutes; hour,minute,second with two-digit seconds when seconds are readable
9,04
